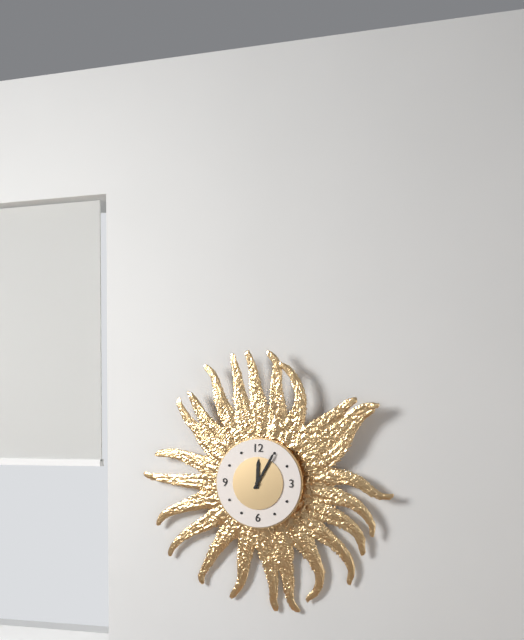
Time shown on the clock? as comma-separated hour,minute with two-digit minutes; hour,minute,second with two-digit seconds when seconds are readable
12,05
